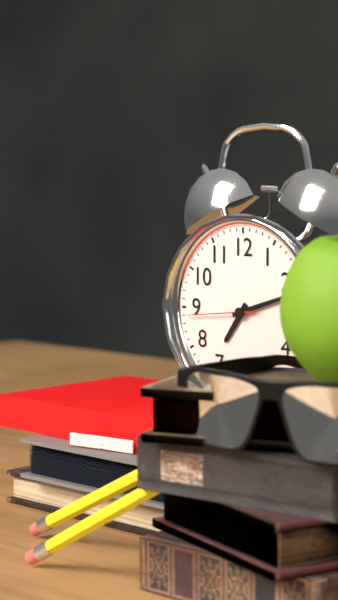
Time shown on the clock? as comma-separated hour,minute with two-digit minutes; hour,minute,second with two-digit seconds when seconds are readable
7,12,44
